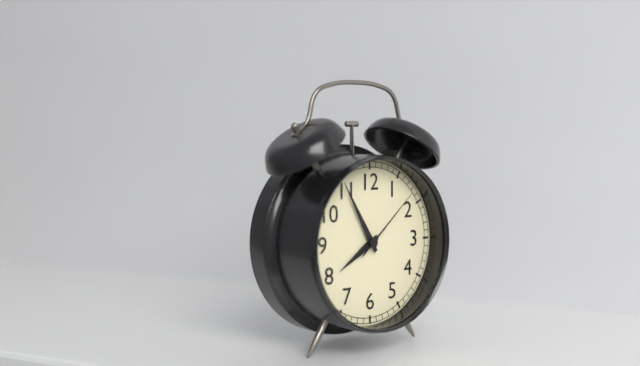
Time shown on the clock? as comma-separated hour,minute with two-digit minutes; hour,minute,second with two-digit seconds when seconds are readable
7,55,08
